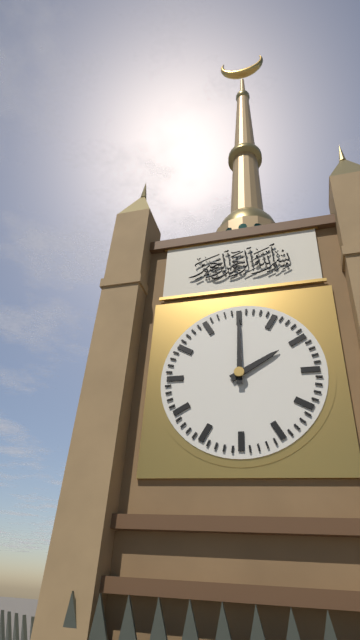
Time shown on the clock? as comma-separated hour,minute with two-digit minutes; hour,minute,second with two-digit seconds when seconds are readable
2,00
